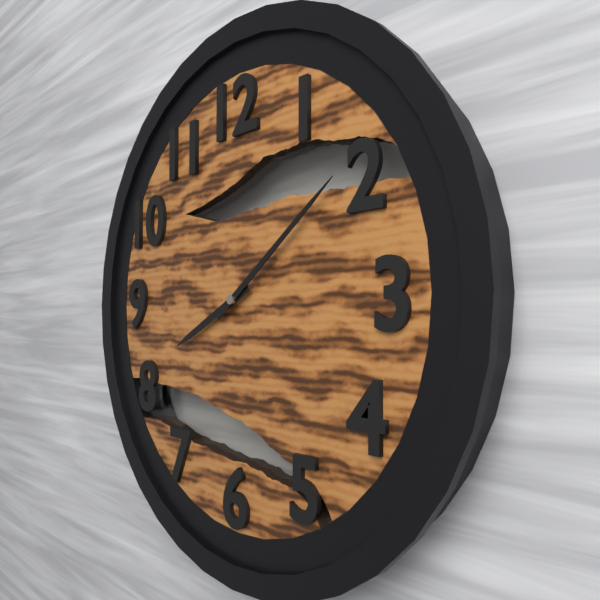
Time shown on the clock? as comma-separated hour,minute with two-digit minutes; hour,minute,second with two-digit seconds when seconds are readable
8,09
